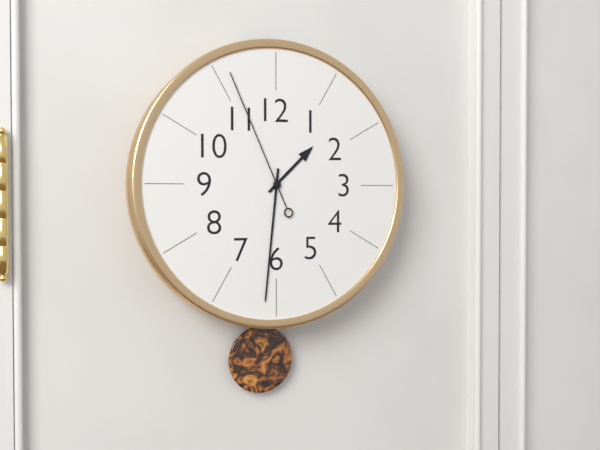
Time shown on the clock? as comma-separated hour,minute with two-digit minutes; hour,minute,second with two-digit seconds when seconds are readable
1,31,56
